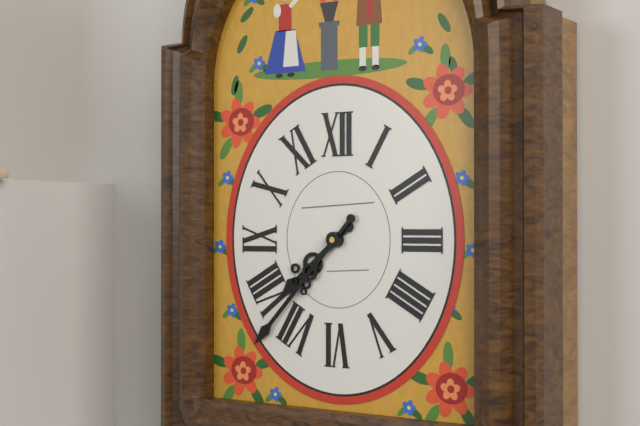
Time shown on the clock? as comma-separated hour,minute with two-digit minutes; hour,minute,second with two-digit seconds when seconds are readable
7,37
